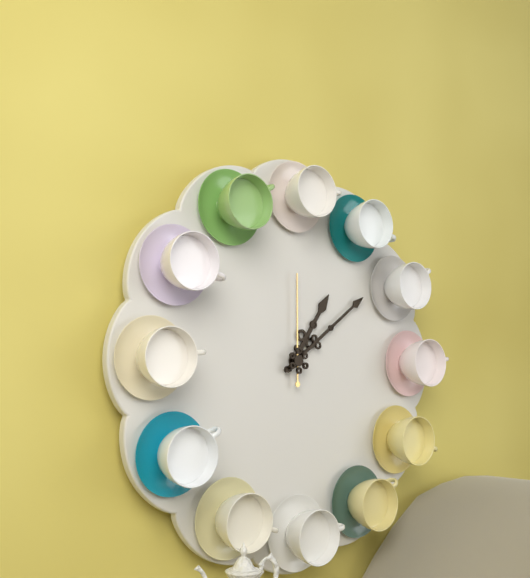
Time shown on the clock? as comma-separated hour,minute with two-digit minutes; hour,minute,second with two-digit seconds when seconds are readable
1,09,00
